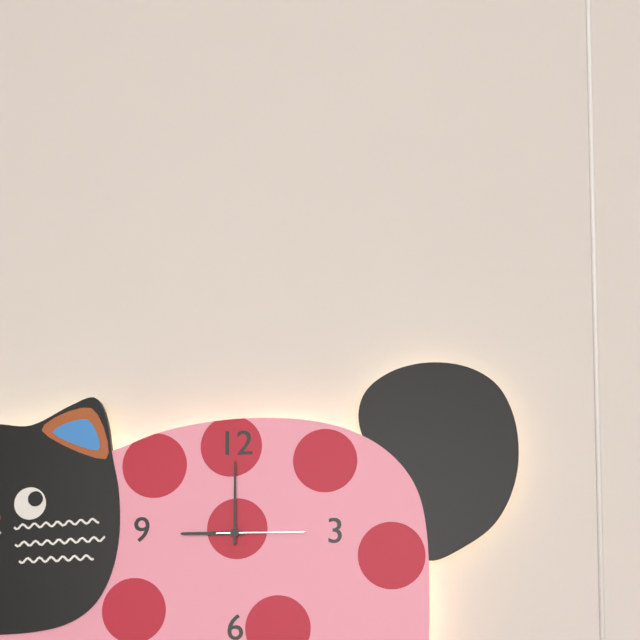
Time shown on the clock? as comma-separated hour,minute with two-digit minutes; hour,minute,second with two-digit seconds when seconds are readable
9,00,15
